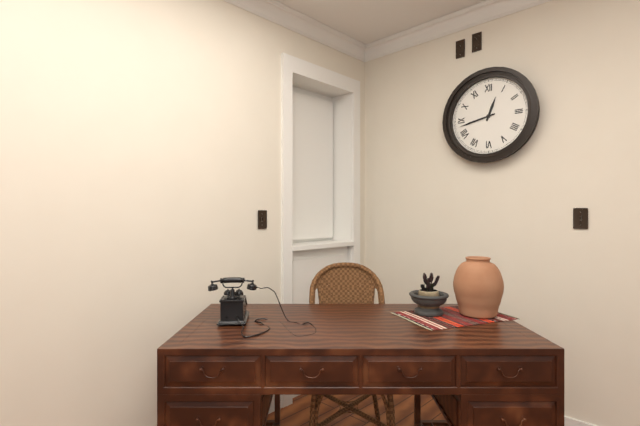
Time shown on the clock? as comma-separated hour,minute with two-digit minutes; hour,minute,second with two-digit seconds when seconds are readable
12,43
